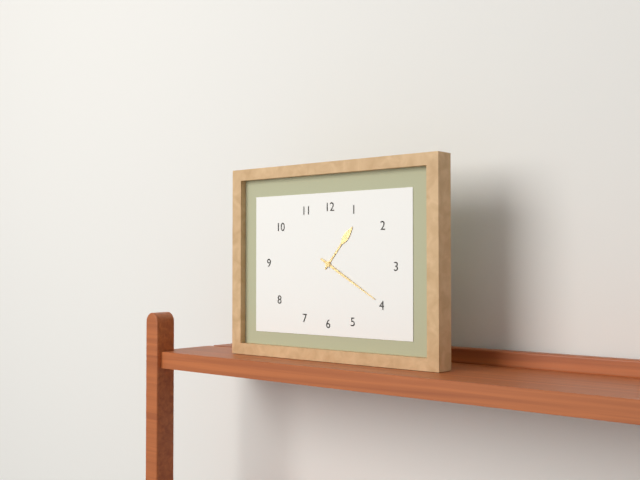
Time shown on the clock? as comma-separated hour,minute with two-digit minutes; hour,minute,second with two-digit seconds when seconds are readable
1,20
